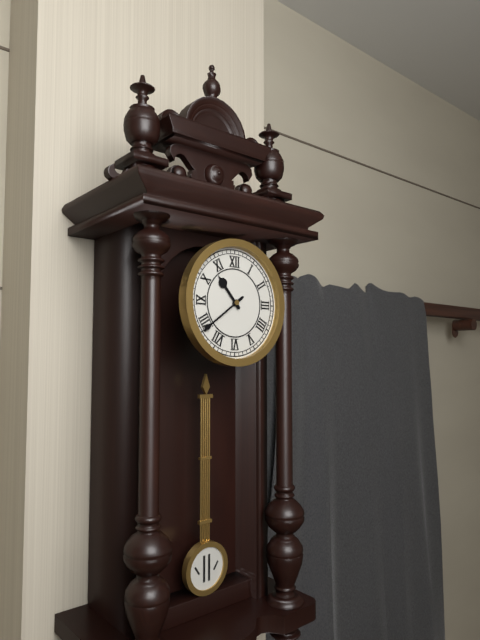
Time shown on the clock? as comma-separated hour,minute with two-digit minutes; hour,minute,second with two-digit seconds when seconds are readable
10,39
